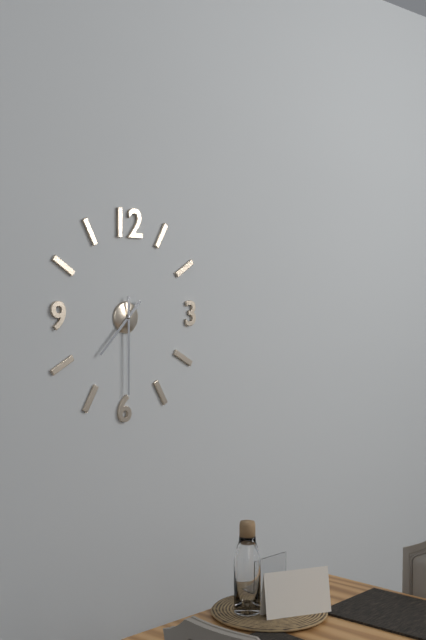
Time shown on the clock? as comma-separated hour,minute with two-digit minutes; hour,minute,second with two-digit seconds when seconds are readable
7,30
